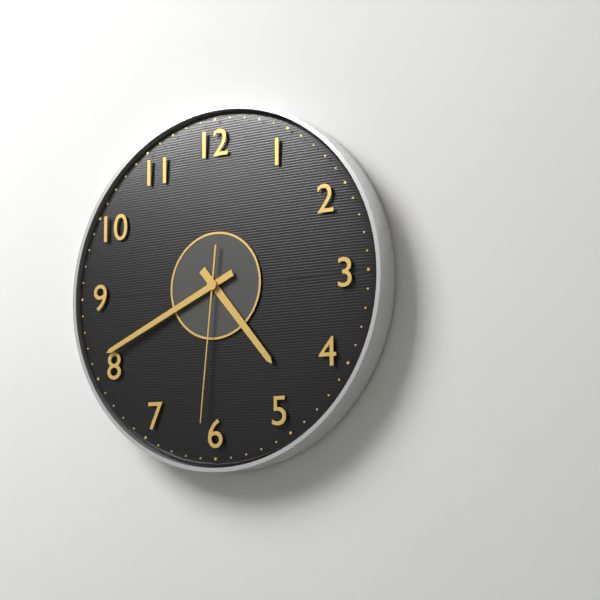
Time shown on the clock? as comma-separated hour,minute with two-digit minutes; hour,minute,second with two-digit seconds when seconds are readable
4,41,31
